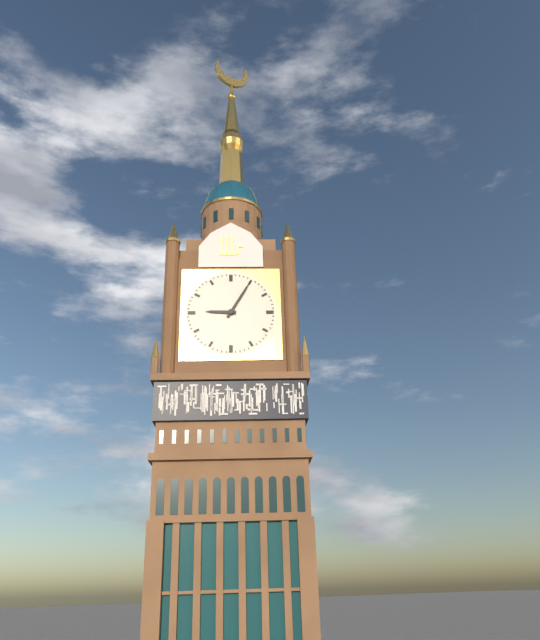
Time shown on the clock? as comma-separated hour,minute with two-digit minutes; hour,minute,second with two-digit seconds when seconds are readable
9,05
